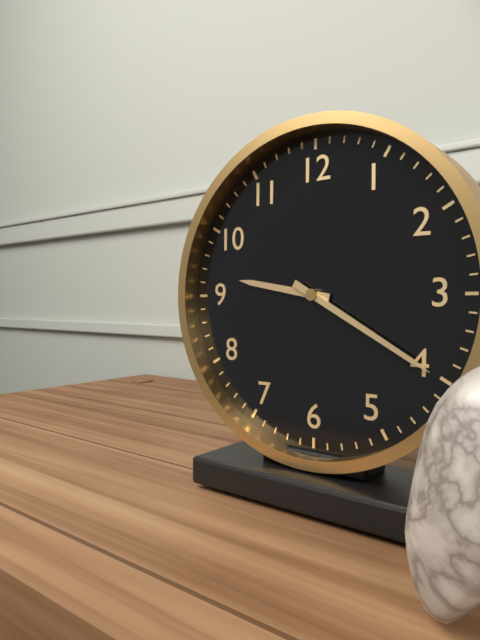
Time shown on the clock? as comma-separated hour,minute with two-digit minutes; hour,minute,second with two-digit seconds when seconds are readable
9,20
